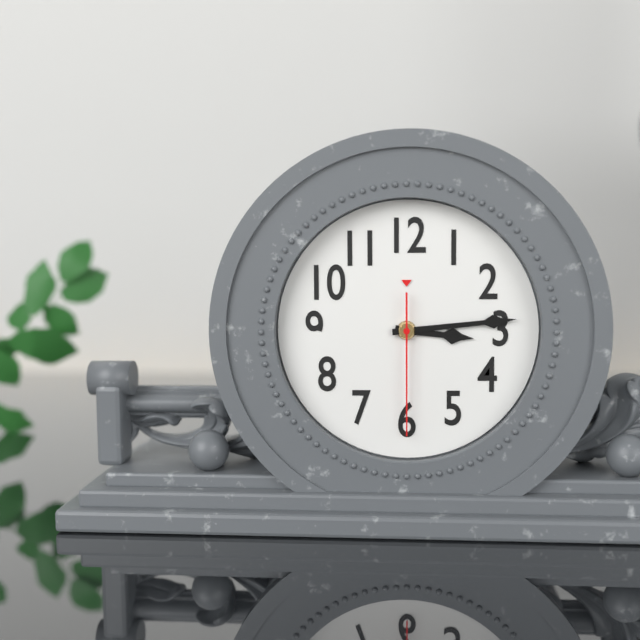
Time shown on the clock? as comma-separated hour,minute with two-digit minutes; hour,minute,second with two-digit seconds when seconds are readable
3,14,30
